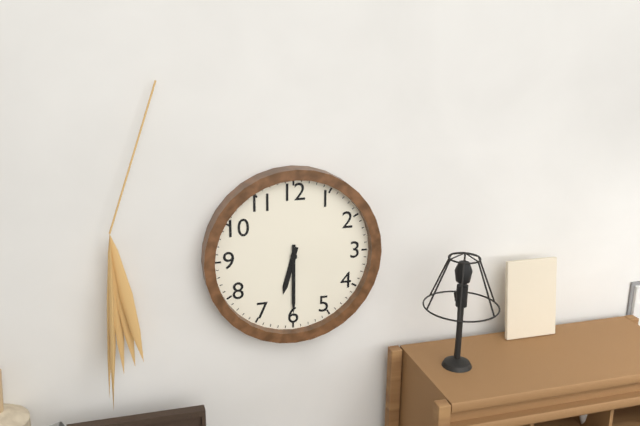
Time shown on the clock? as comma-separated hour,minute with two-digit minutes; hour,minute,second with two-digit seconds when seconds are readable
6,30
